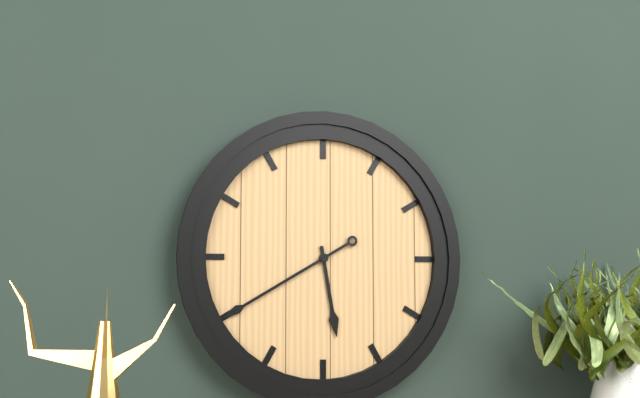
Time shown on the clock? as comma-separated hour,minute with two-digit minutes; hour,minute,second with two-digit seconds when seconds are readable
5,40
